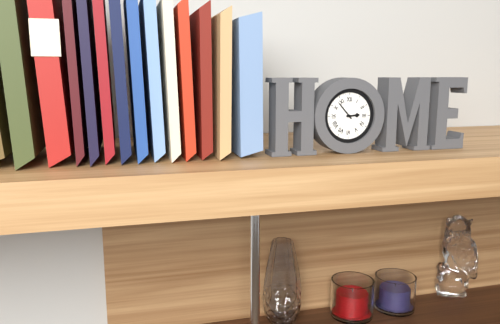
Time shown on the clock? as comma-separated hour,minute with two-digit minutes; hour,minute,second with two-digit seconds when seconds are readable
2,53
